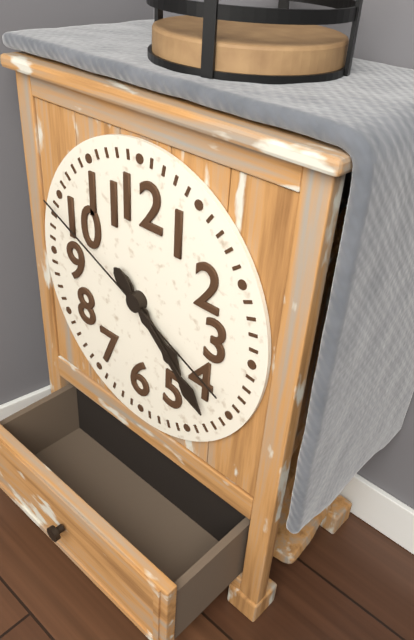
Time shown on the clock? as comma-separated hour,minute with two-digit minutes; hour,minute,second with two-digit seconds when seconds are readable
4,22,49
